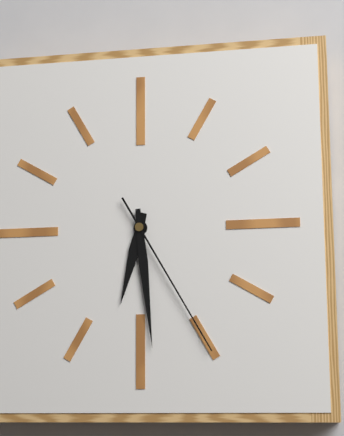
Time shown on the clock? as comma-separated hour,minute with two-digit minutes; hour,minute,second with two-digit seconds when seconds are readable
6,29,25
